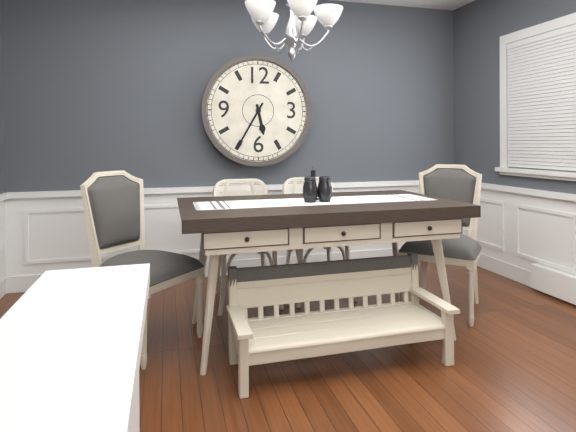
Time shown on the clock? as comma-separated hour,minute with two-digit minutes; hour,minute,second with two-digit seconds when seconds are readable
5,35
